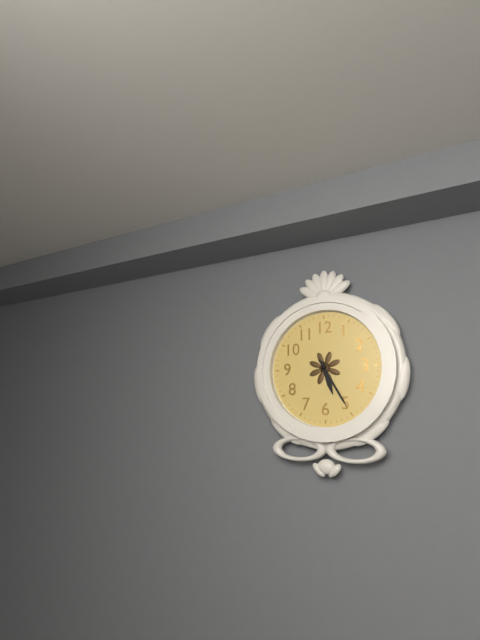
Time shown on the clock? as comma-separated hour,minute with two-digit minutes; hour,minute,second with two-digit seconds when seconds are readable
5,25
